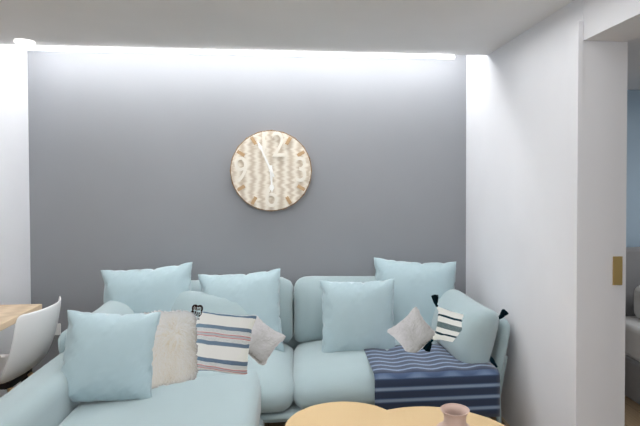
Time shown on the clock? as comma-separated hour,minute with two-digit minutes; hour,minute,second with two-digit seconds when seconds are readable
5,56
